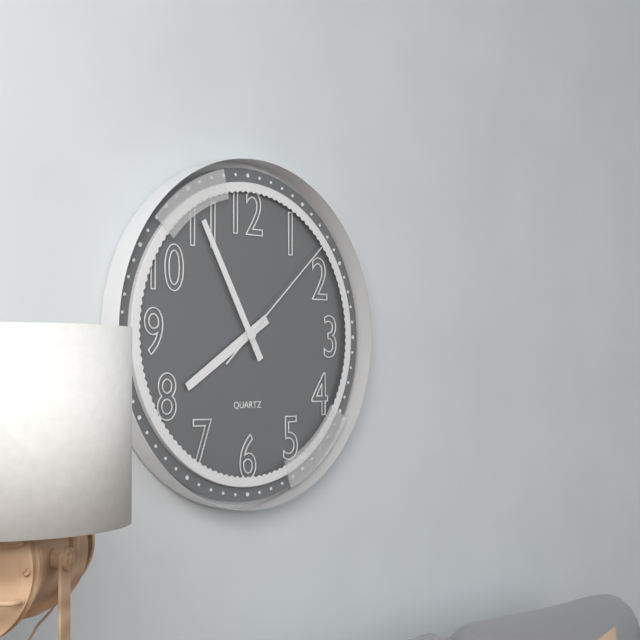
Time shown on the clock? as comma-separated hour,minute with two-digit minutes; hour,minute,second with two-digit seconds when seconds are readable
7,55,08
